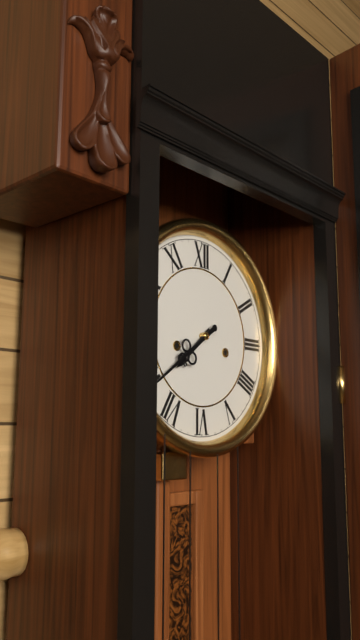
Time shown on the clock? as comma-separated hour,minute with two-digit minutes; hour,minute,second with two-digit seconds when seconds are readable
7,39
